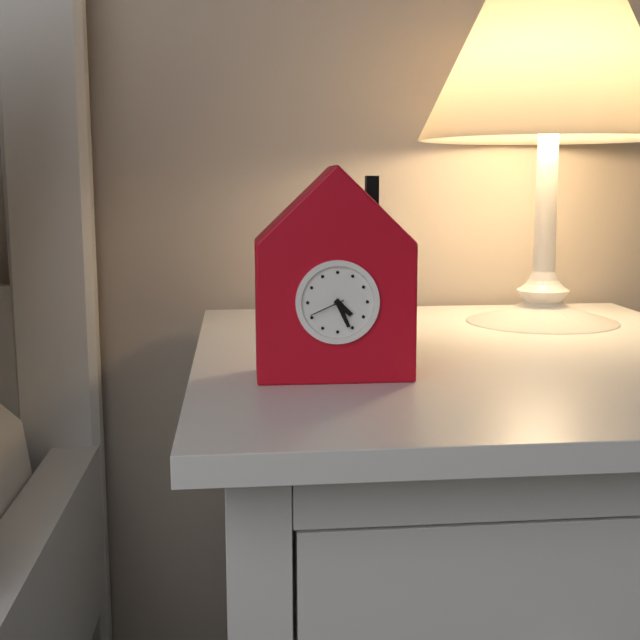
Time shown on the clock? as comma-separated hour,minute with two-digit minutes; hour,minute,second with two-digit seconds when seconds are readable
4,26
